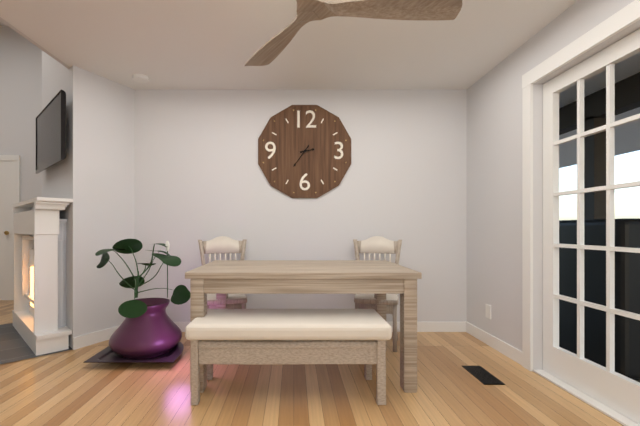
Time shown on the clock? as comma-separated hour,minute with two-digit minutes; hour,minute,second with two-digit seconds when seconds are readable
2,36
